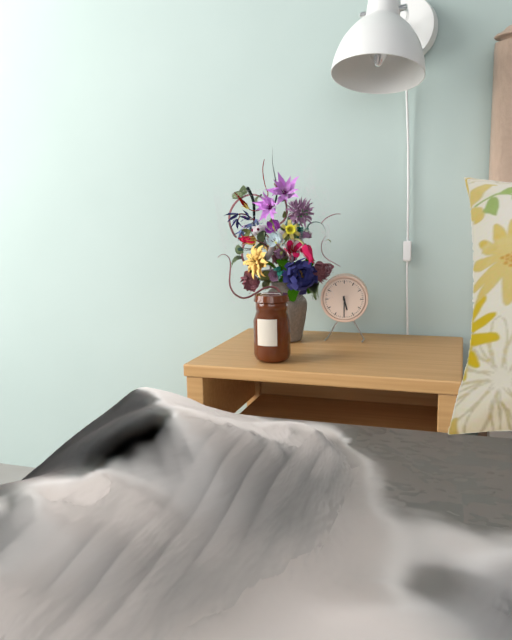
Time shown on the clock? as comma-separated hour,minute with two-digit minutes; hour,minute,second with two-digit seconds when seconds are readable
5,30
